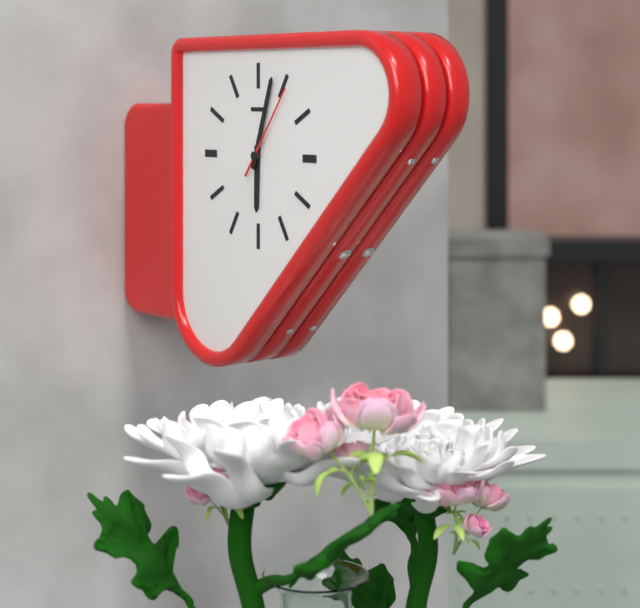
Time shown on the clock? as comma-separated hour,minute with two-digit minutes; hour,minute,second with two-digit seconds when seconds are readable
6,03,06
